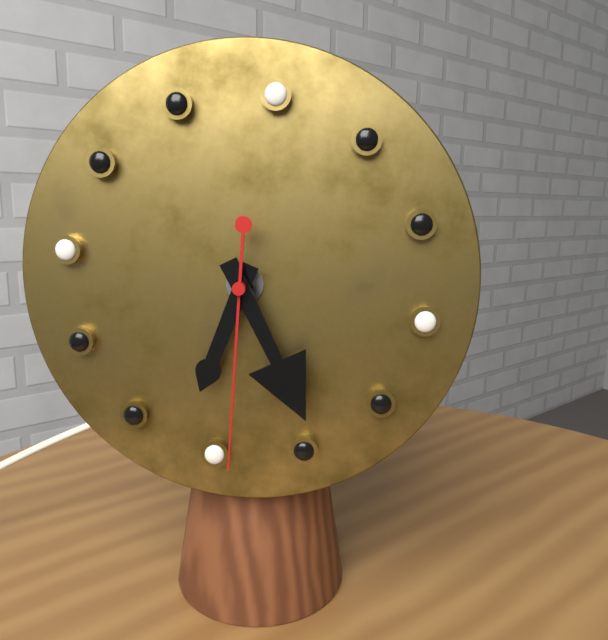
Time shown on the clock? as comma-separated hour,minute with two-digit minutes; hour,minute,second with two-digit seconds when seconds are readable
6,24,29
